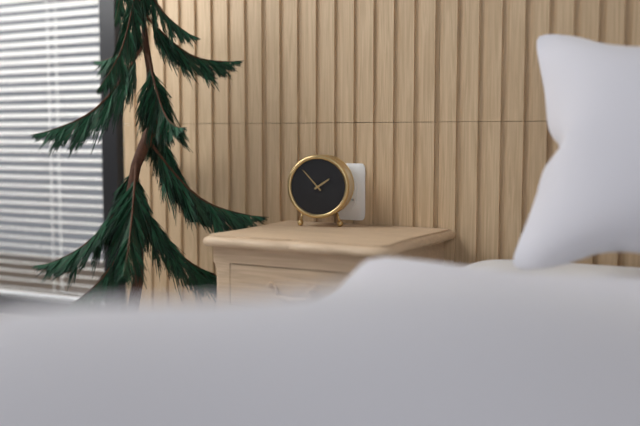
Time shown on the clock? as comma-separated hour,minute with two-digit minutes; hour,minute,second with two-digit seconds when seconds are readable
1,53
